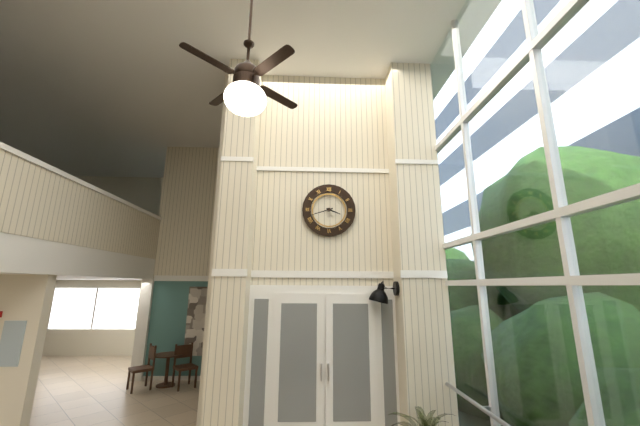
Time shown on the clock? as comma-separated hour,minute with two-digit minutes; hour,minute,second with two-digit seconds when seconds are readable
3,42
